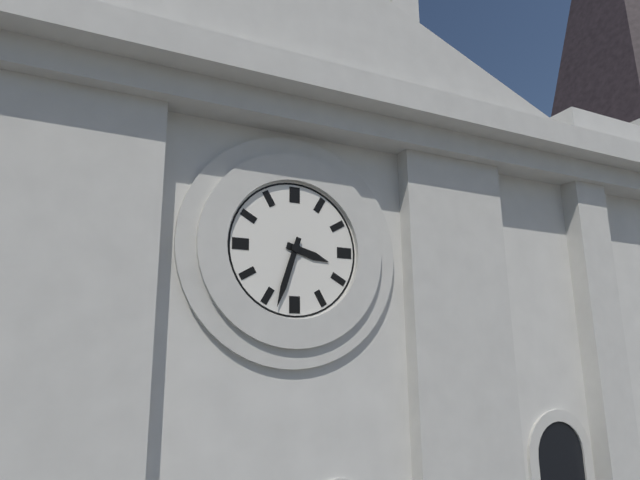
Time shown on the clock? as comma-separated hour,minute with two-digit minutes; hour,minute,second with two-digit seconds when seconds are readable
3,33
